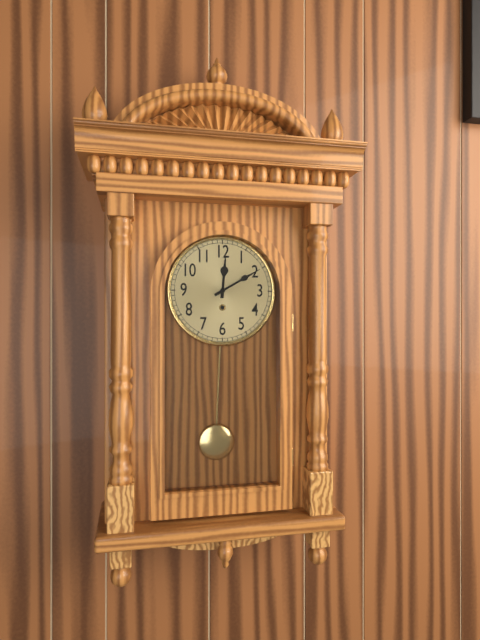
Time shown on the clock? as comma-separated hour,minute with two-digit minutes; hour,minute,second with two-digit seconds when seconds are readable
12,10
